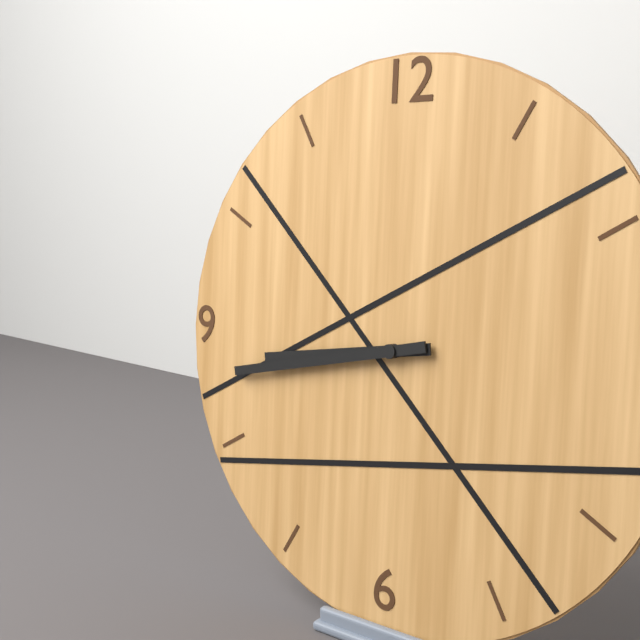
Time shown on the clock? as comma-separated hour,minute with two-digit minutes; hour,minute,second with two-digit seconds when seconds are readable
8,43
